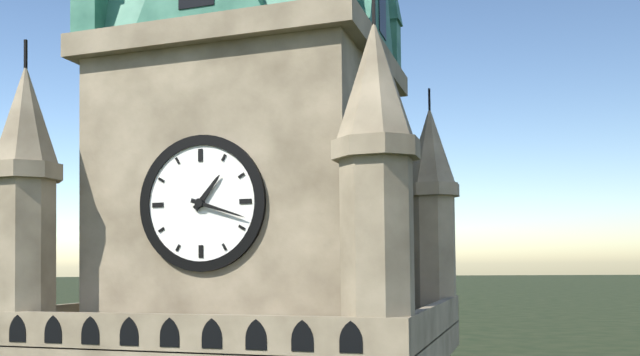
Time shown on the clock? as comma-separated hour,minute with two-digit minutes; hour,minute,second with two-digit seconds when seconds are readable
1,18
